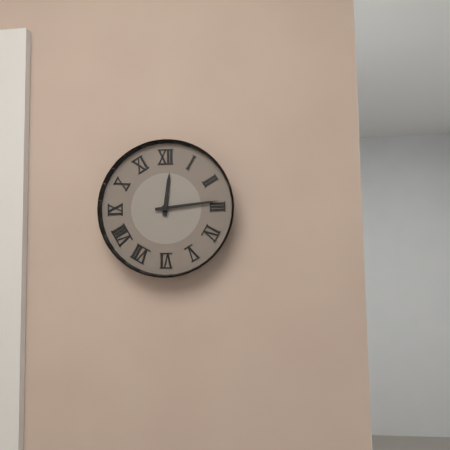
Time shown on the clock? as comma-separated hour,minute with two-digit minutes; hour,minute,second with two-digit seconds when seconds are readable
12,14
